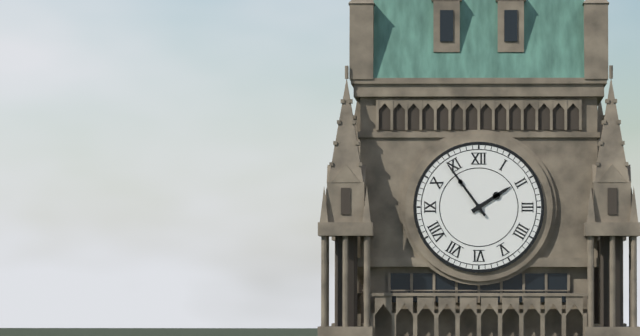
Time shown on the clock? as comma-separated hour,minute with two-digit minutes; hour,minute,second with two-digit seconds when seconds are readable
1,54
